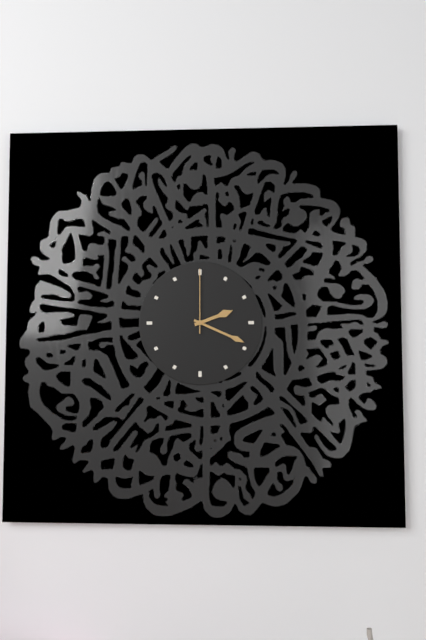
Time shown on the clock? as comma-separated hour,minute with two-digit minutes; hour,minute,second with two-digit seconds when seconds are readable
2,19,00
